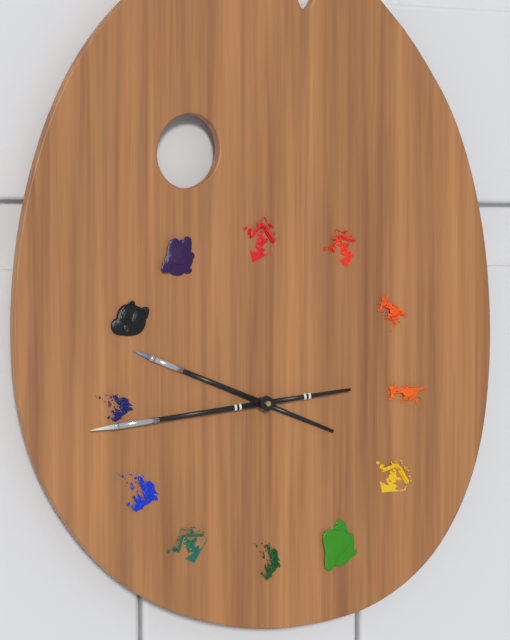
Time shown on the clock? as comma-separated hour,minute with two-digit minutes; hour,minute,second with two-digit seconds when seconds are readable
9,44
